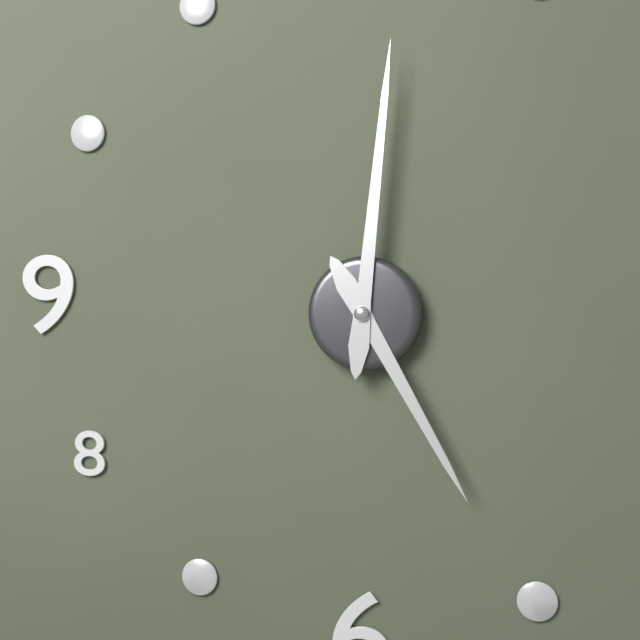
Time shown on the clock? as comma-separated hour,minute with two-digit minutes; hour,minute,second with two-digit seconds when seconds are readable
5,01
